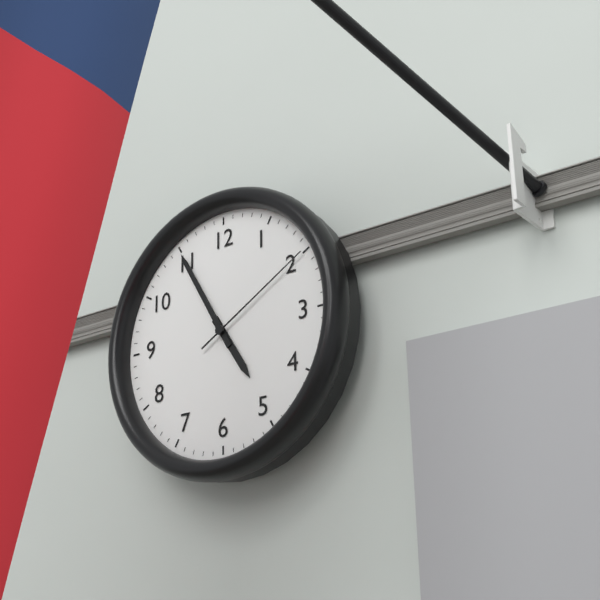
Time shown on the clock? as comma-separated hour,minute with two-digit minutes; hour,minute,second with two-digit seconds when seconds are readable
4,55,10
